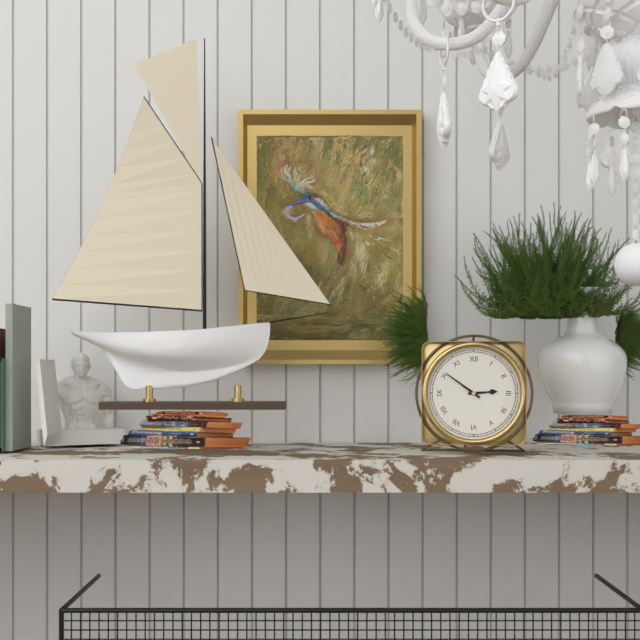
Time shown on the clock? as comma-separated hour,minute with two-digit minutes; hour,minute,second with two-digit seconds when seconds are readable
2,51
